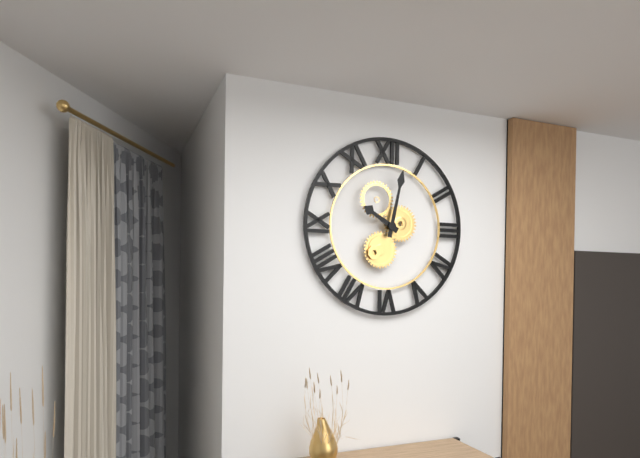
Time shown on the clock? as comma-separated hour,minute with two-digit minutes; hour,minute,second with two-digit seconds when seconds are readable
10,02
